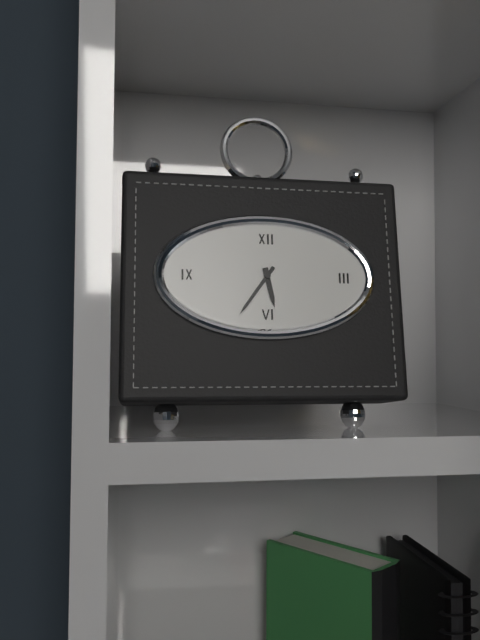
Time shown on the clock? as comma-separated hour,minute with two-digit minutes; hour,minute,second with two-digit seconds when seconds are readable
5,36
